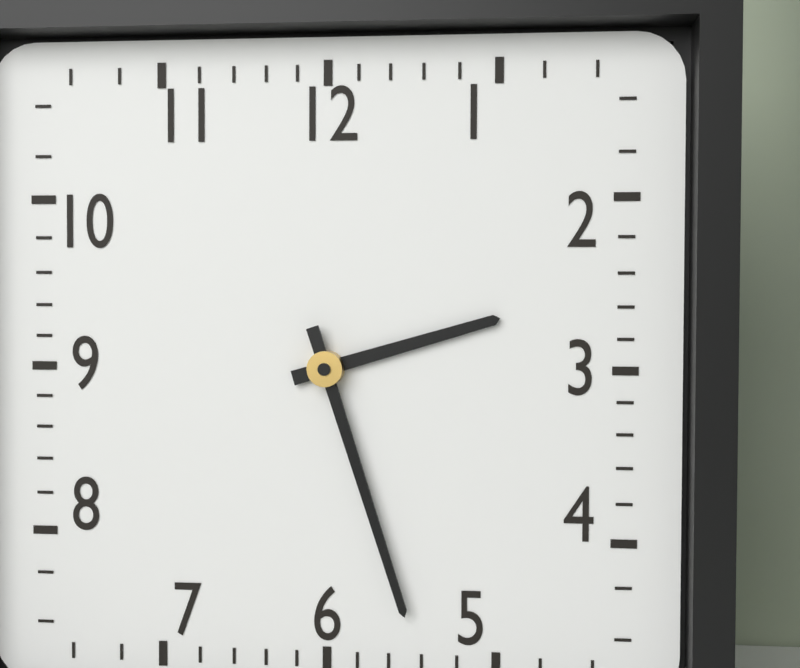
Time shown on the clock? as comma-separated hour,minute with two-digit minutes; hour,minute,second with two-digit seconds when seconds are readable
2,27
